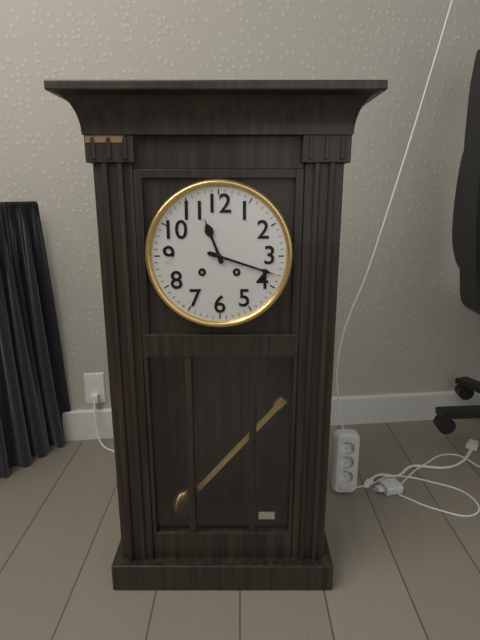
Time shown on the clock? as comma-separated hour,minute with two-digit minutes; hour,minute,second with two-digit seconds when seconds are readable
11,18
